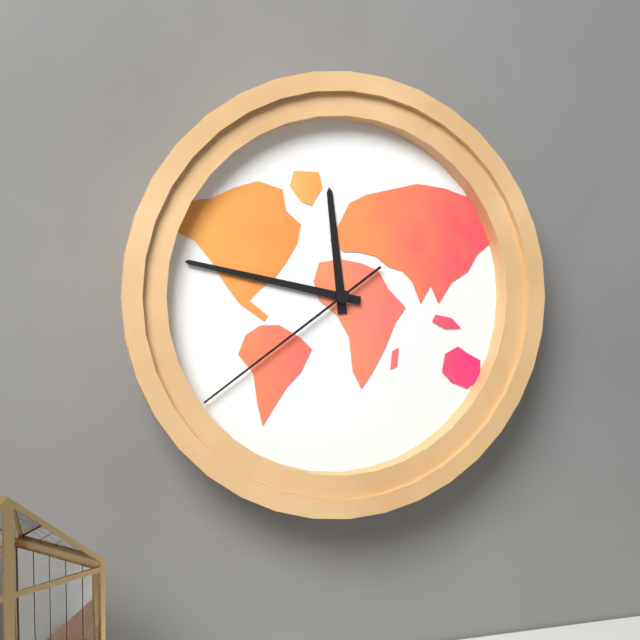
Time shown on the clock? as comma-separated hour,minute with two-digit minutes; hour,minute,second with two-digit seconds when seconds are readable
11,47,39
